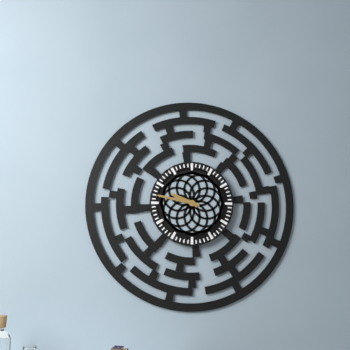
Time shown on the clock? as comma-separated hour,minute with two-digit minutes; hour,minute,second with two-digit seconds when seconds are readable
9,47
